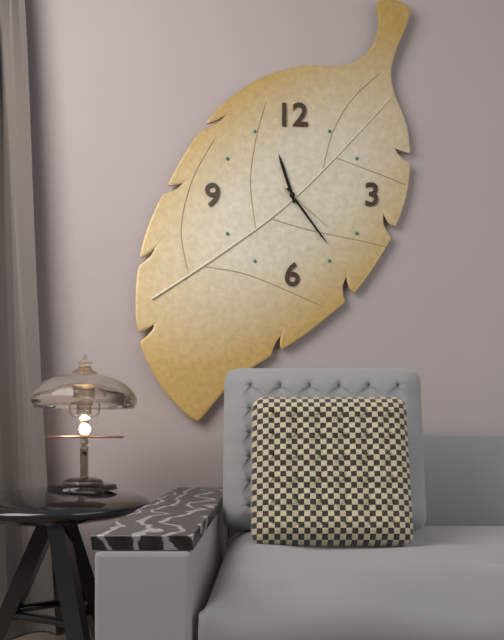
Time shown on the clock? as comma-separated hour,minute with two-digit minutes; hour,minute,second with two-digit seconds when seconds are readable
11,24,22
